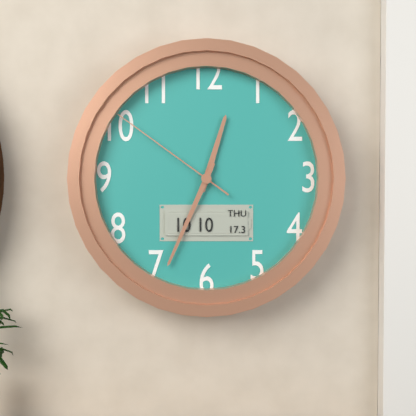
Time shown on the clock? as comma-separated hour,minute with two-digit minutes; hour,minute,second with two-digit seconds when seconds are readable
12,34,51
